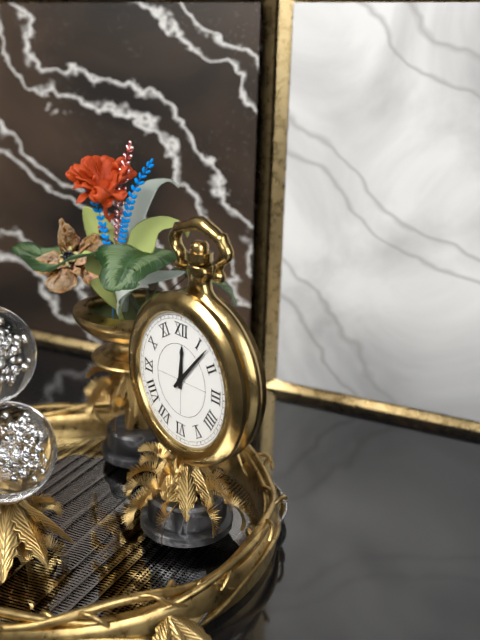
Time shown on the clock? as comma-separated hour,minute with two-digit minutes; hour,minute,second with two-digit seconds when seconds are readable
12,07
